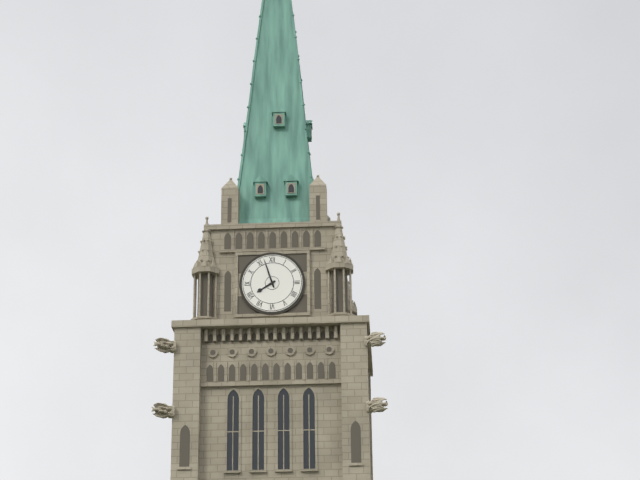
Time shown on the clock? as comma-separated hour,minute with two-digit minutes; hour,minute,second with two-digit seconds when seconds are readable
7,57
